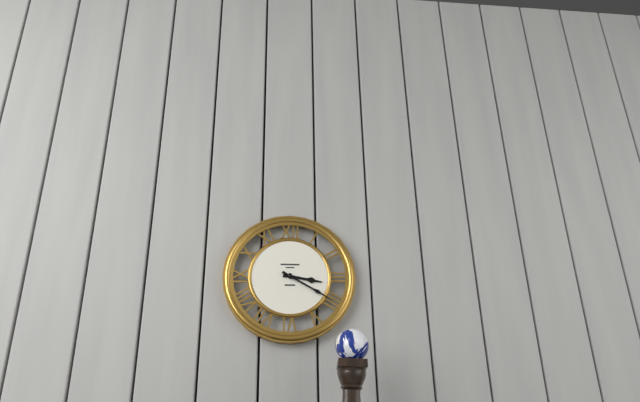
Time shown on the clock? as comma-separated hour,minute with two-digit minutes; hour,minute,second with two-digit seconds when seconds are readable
3,20
